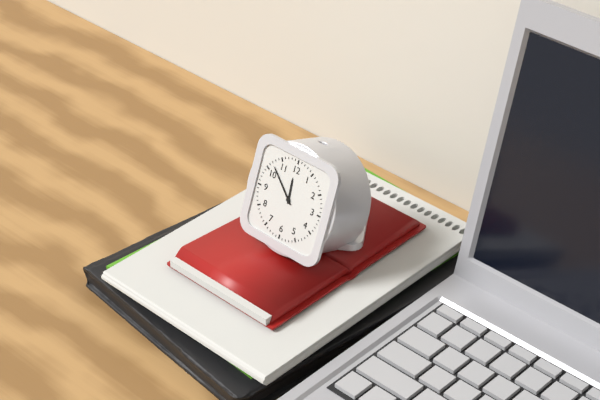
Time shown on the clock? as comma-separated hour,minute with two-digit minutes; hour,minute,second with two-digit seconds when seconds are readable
11,52
